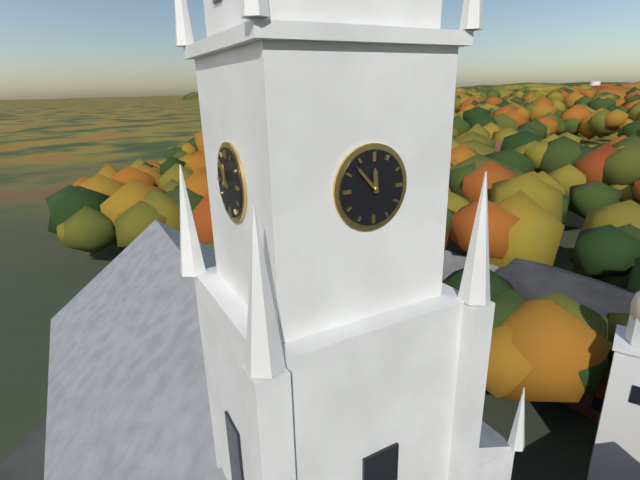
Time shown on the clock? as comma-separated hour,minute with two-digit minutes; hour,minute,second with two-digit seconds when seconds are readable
11,53
